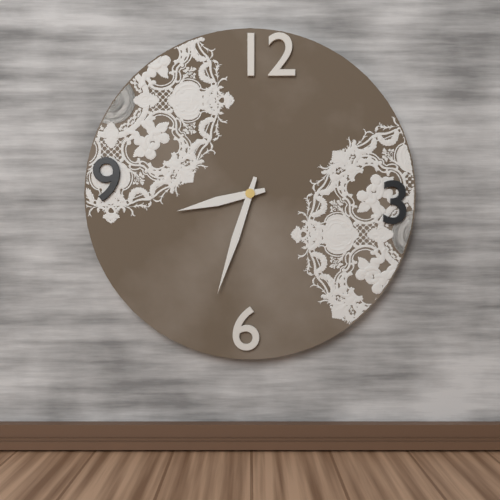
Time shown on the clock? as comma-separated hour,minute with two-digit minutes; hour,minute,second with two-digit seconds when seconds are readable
8,33
